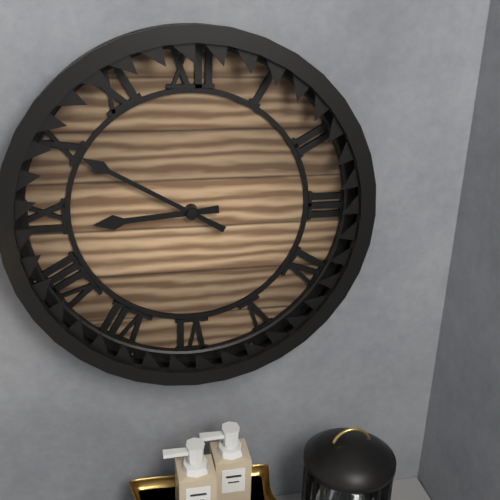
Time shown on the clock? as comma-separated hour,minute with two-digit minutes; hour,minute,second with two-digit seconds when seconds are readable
8,50
